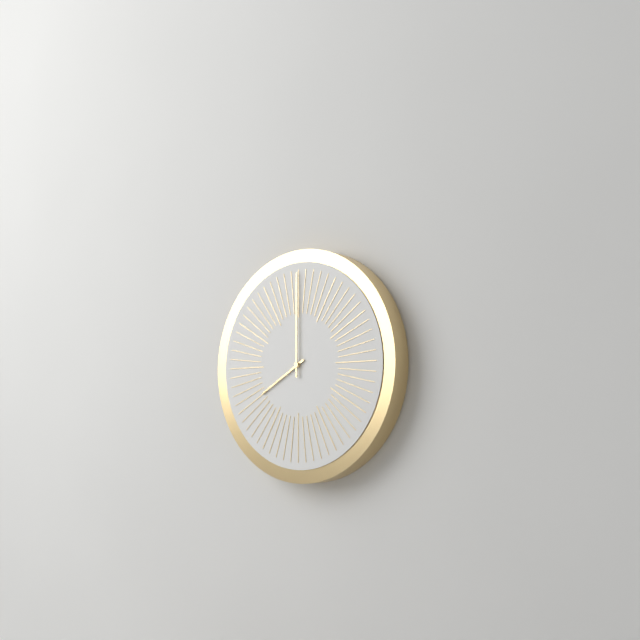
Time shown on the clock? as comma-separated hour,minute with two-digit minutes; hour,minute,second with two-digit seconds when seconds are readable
8,00
